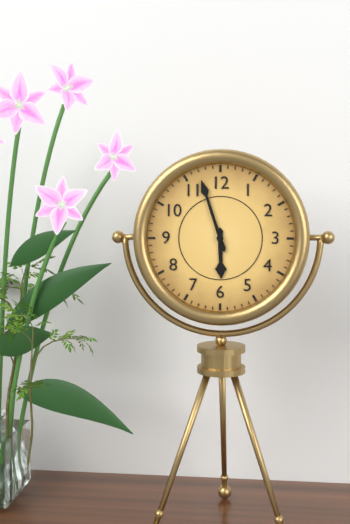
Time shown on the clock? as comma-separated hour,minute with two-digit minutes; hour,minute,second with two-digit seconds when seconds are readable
5,57
